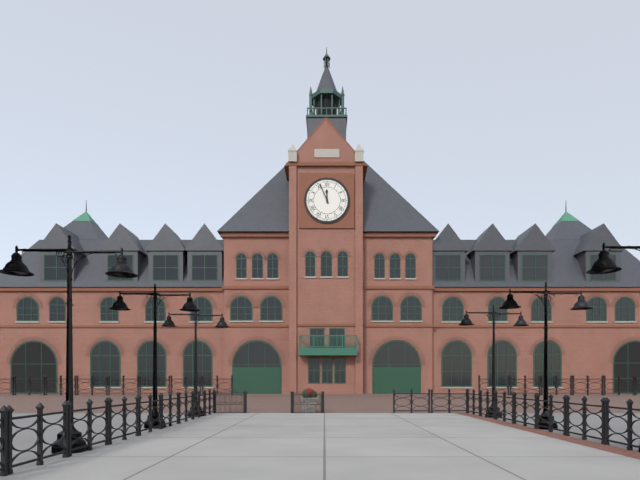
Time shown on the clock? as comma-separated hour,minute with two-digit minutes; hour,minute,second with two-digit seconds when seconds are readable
11,56
